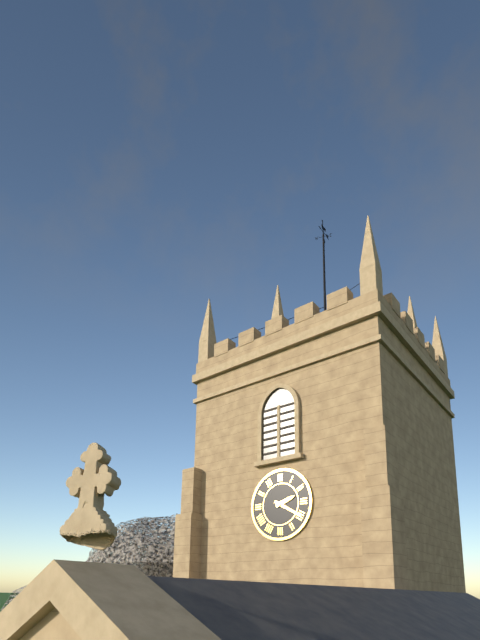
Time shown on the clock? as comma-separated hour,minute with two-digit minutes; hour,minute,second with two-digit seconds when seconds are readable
2,20
